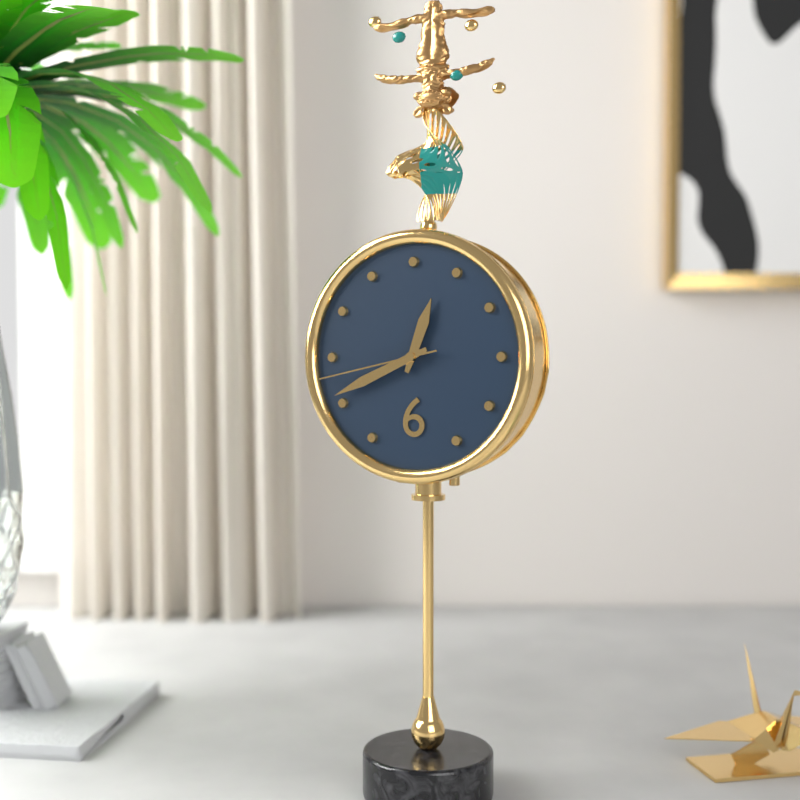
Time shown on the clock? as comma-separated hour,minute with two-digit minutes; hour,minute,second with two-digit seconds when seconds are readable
12,41,43
